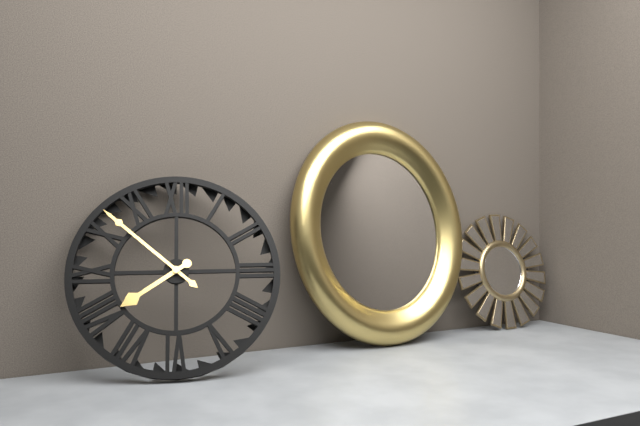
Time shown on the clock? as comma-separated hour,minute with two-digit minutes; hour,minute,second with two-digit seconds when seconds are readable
7,52
